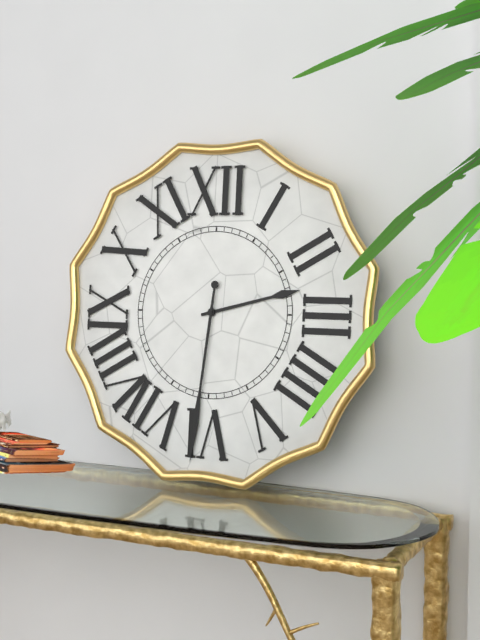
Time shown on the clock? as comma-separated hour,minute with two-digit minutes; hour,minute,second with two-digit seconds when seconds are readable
2,31
